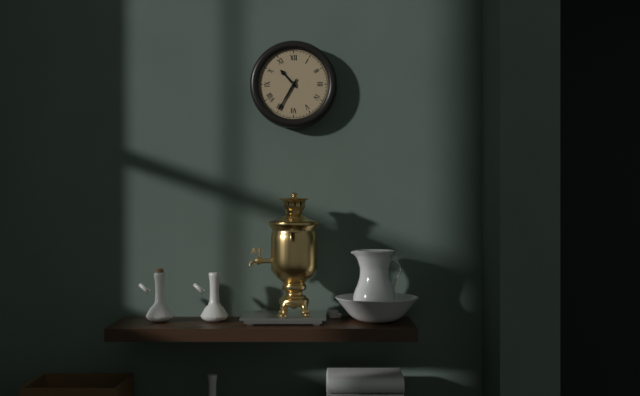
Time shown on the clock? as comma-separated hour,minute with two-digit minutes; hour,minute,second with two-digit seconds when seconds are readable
10,35
